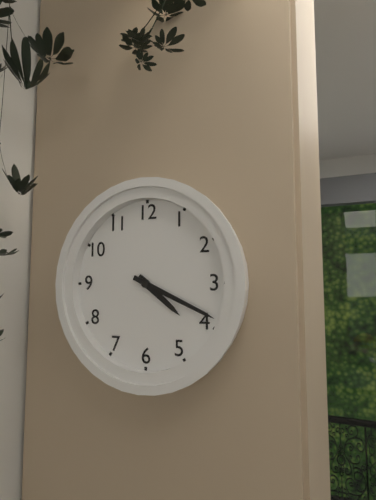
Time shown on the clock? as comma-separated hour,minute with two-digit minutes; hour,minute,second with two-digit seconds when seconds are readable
4,19
